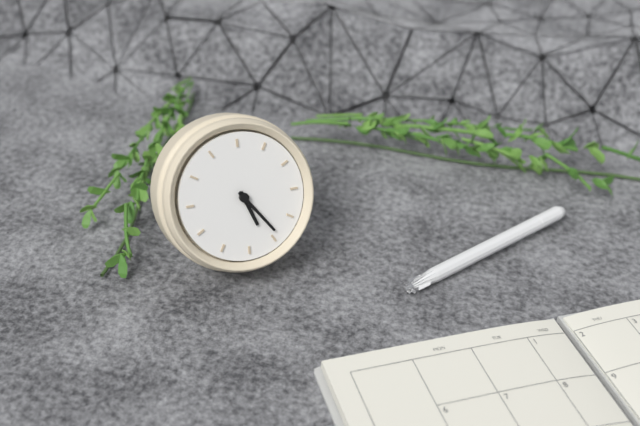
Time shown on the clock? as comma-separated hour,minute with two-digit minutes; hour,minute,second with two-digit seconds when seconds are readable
4,19
